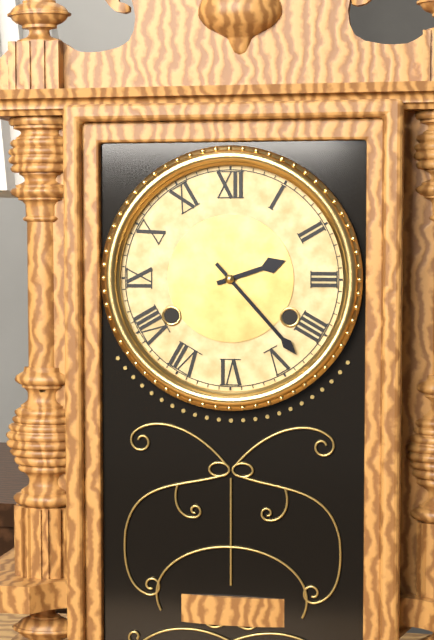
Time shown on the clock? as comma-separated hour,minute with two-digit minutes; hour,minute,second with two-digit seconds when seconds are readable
2,23
